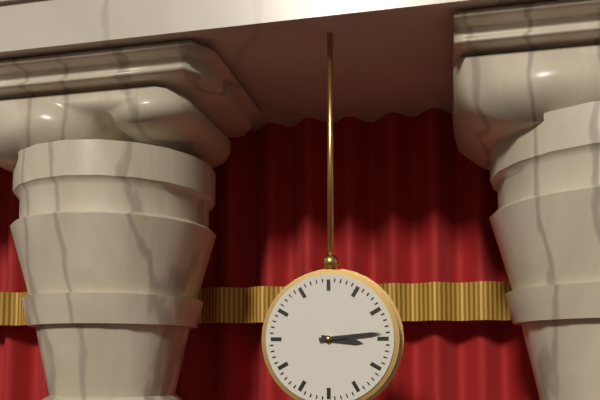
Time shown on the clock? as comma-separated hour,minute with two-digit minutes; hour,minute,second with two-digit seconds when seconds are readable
3,14
